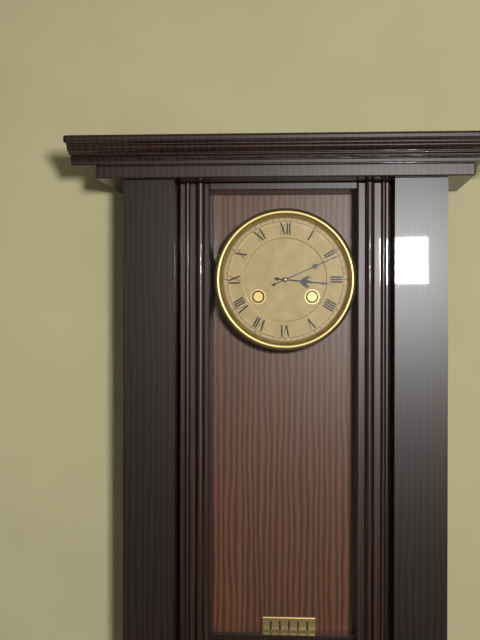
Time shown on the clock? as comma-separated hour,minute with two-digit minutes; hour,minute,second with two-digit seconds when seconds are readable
3,11
